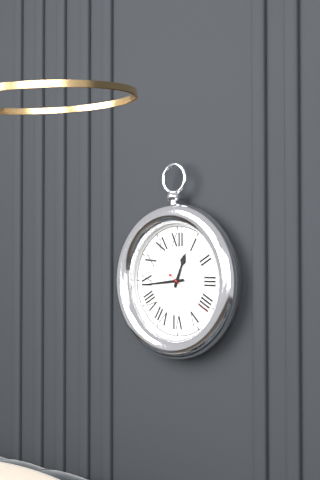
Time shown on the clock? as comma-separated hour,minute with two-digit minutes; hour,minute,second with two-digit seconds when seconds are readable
12,44,21
